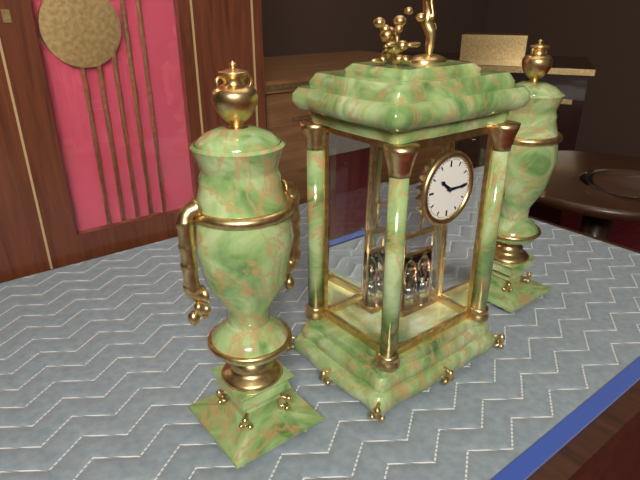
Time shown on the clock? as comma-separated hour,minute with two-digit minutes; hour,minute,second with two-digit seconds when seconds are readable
10,15
